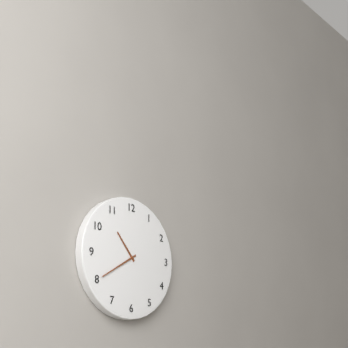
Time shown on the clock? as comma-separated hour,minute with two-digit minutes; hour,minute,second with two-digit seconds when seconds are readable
10,40
